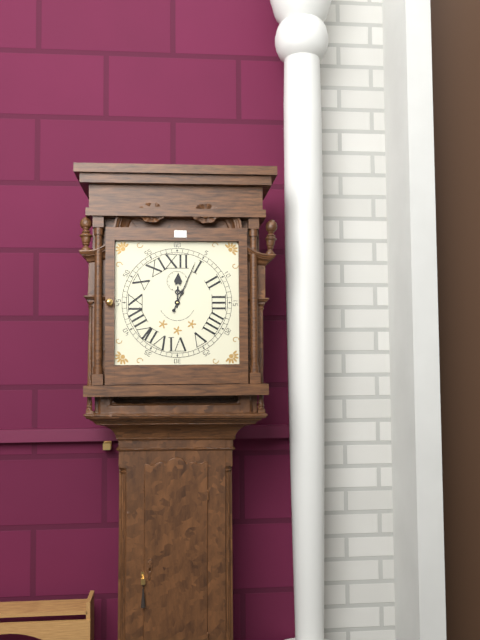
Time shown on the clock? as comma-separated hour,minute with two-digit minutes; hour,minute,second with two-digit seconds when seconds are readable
12,04
